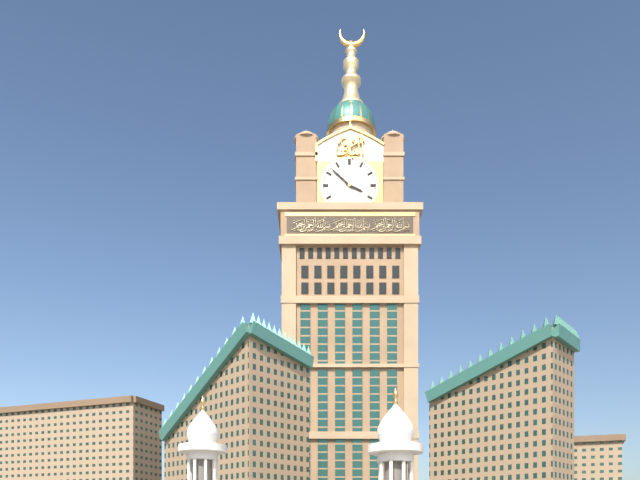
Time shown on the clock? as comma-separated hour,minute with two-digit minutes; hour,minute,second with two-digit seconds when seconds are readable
3,52
